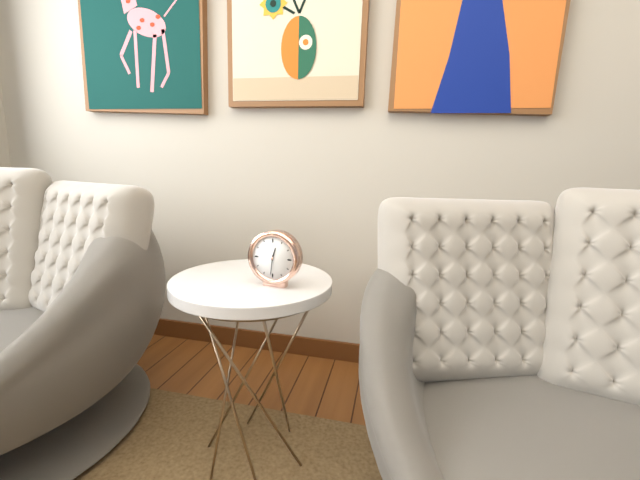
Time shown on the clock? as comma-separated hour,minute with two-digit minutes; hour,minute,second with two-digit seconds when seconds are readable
12,31
